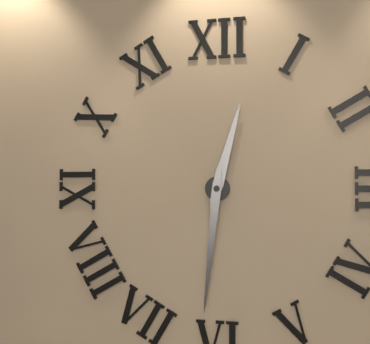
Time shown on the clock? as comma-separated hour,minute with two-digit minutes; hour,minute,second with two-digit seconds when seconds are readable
12,31
